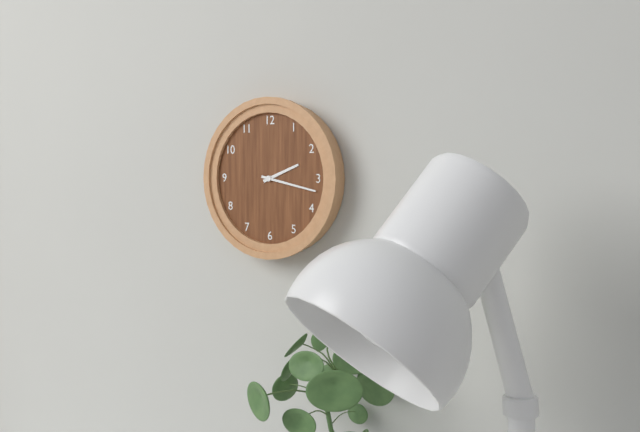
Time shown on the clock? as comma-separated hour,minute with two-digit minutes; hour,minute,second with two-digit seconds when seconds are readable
2,17
